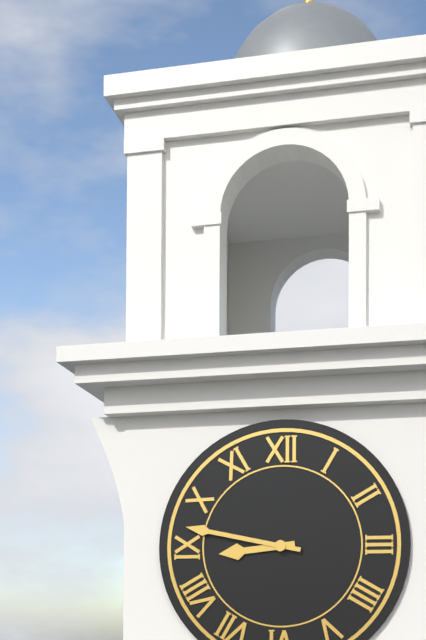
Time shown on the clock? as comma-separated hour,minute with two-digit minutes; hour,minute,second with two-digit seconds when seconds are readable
8,47
